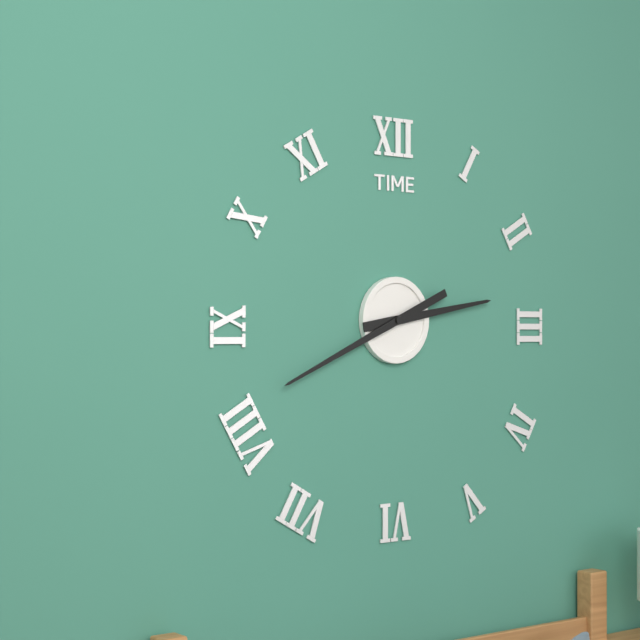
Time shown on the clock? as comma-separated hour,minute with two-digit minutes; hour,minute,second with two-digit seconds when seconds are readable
2,41
